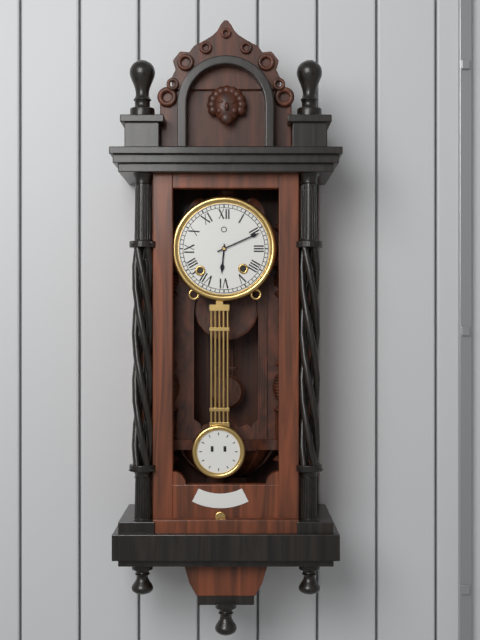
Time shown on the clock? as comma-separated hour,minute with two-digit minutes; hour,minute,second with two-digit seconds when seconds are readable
6,11
